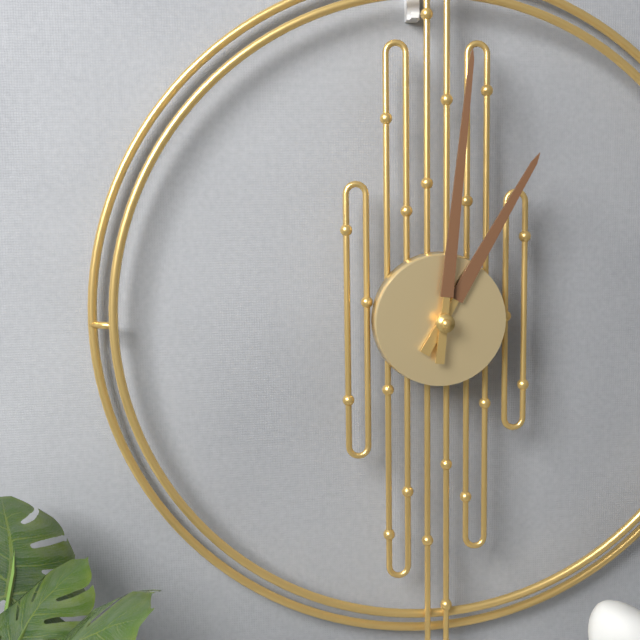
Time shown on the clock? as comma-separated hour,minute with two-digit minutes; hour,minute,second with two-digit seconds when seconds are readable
1,01
